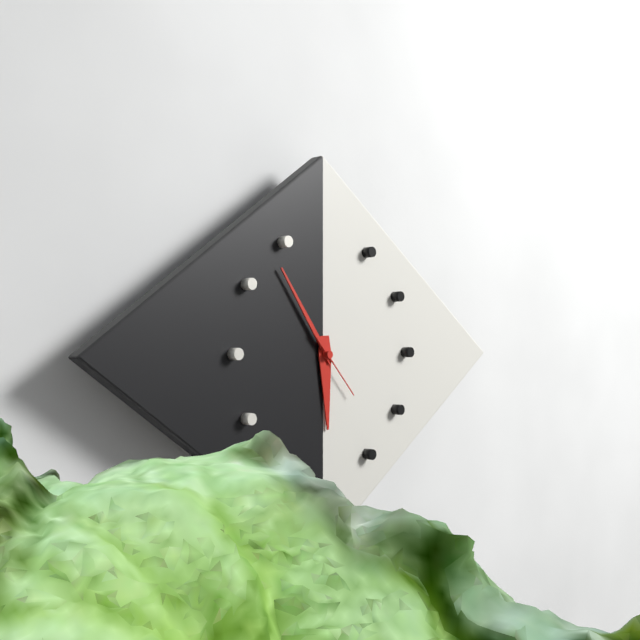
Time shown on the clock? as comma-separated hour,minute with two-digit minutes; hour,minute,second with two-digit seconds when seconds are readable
5,54,23
